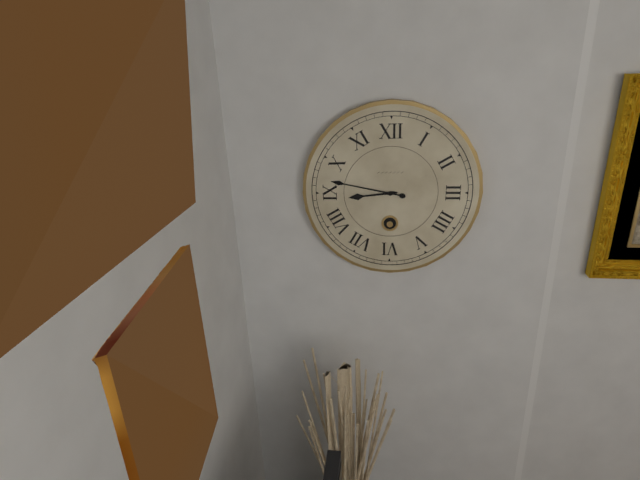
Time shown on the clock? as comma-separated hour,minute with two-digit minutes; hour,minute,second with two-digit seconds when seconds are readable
8,47
